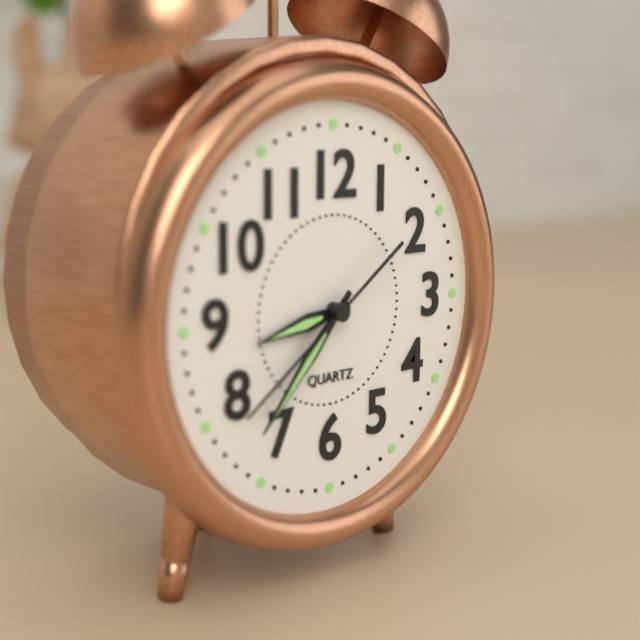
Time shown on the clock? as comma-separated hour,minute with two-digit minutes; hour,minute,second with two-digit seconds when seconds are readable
8,37,39
